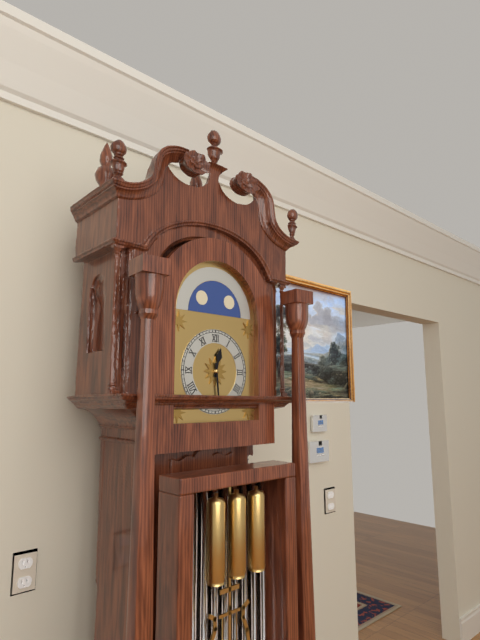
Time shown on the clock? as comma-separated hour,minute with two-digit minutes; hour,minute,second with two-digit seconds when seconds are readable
12,29
